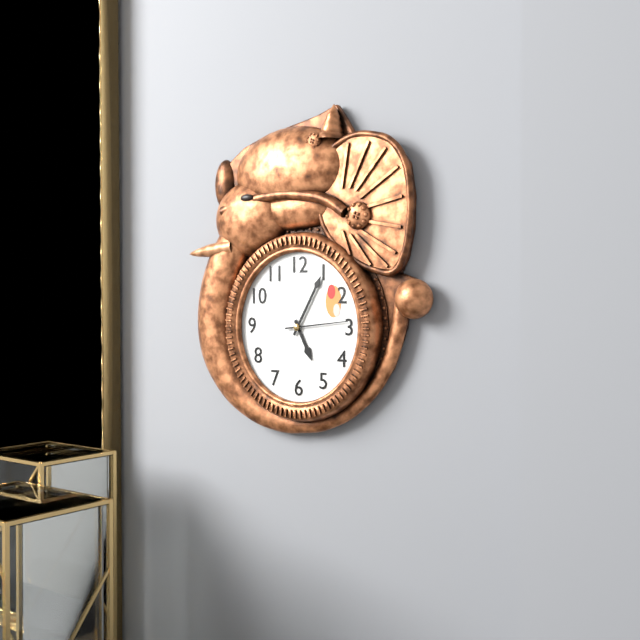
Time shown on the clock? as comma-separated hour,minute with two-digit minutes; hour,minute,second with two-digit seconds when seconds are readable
5,05,14
